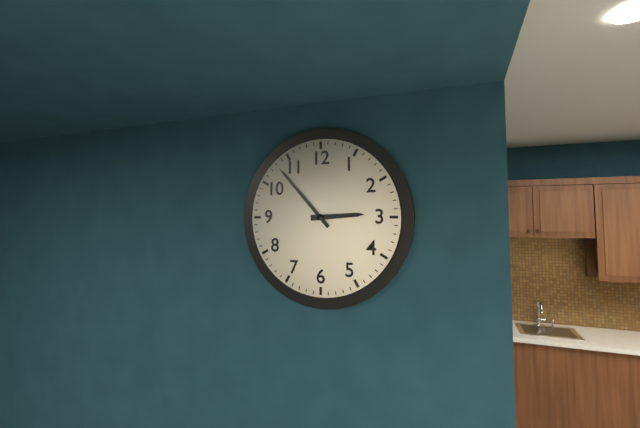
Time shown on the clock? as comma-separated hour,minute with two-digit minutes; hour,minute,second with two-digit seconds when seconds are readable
2,53
